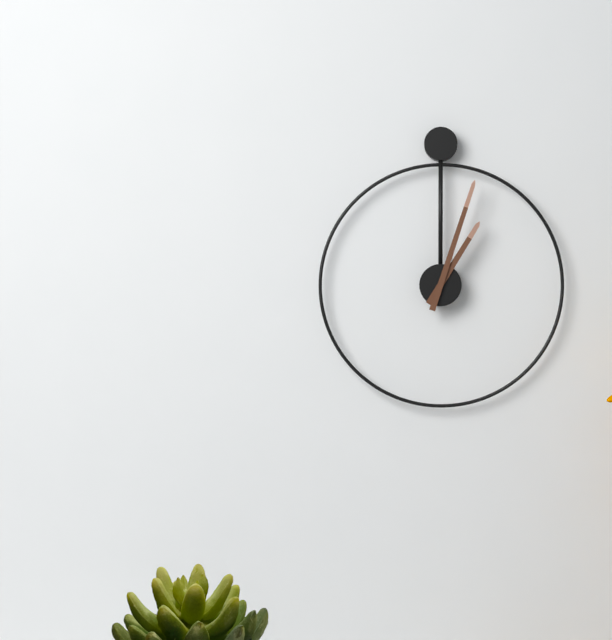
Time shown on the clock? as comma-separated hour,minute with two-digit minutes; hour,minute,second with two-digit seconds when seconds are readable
1,03
